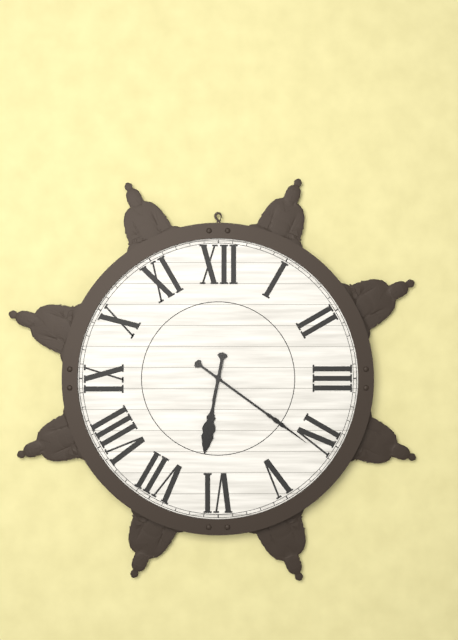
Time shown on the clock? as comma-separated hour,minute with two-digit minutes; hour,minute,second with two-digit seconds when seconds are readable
6,21
